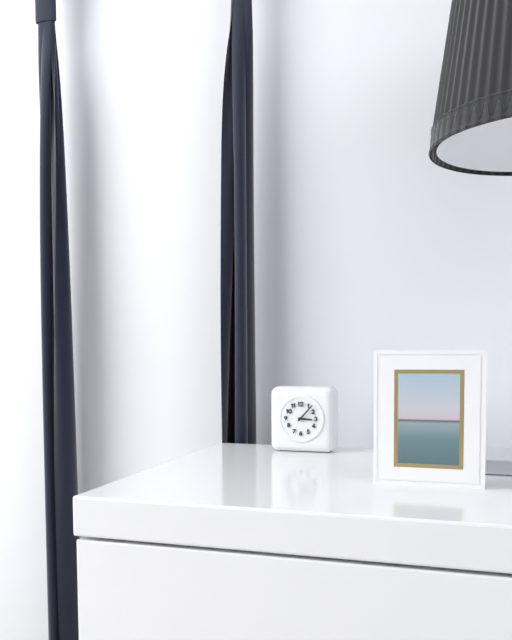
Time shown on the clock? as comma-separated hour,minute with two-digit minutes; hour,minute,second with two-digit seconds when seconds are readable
3,07
